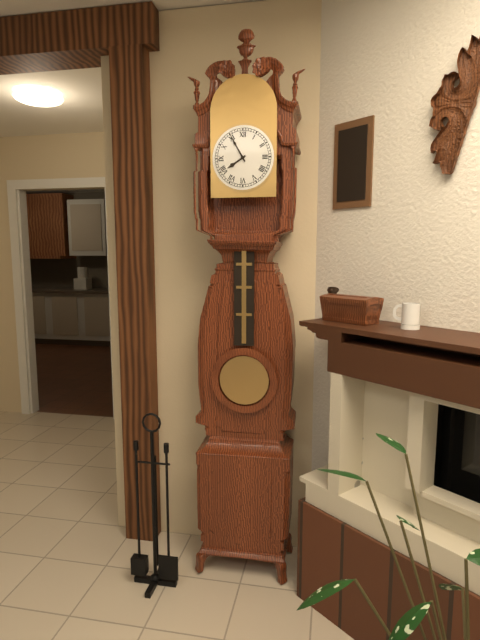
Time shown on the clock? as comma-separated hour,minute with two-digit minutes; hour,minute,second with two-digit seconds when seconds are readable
7,55
